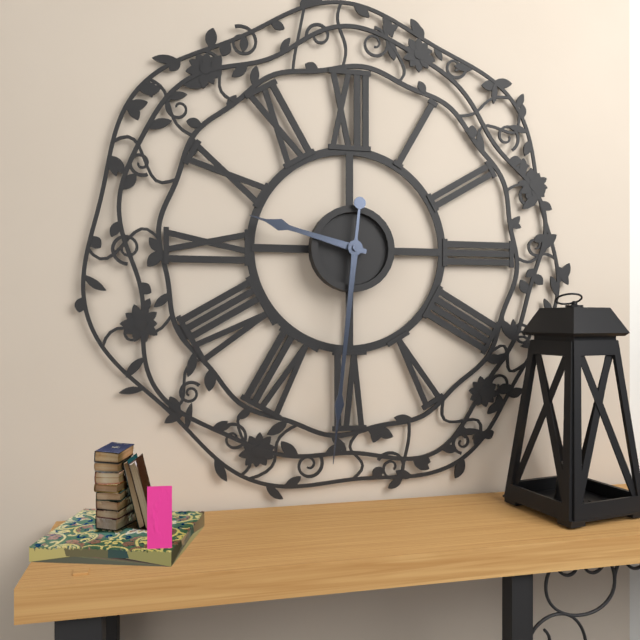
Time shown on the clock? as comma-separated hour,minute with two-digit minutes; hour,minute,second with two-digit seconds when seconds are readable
9,31
